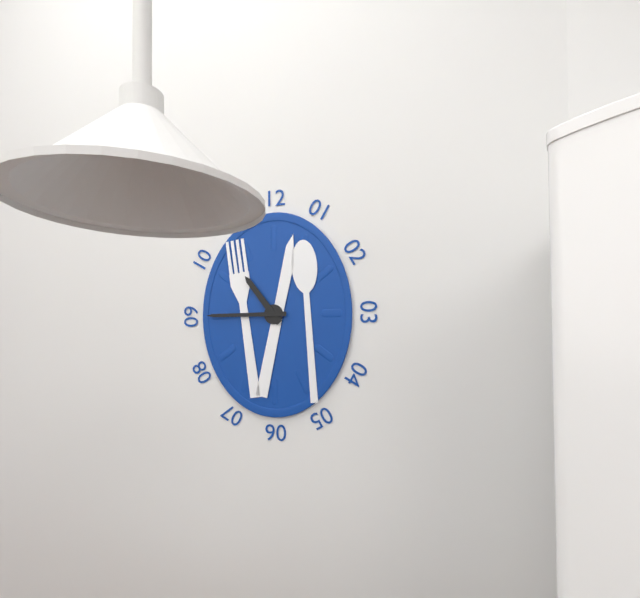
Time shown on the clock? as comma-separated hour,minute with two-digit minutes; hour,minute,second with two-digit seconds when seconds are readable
10,45
